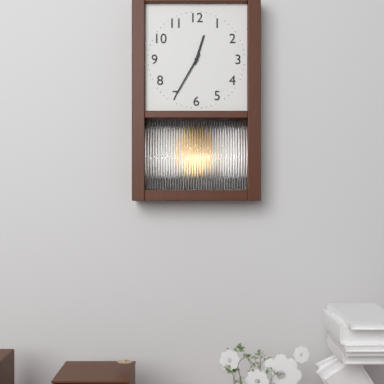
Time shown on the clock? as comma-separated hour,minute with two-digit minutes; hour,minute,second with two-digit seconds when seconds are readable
12,35
